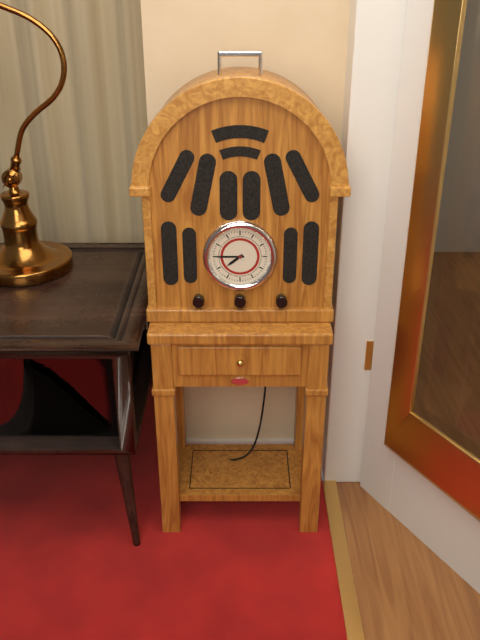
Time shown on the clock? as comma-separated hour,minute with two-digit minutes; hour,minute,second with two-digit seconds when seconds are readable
7,45
